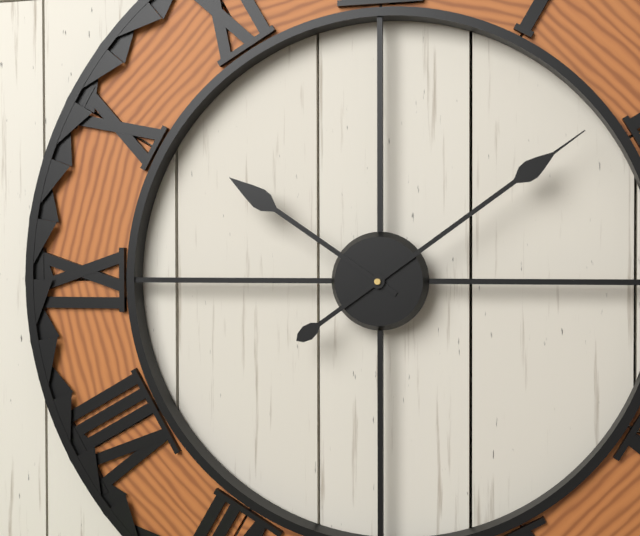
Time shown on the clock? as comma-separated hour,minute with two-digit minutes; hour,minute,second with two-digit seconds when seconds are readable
10,09
